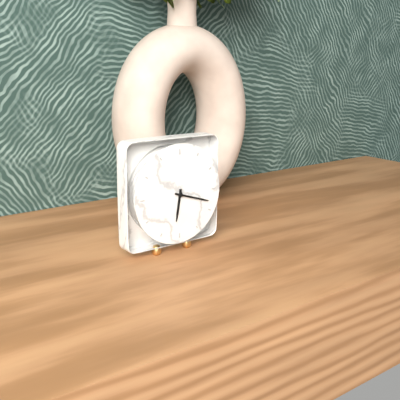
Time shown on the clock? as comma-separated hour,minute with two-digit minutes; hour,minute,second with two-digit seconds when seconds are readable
6,18
